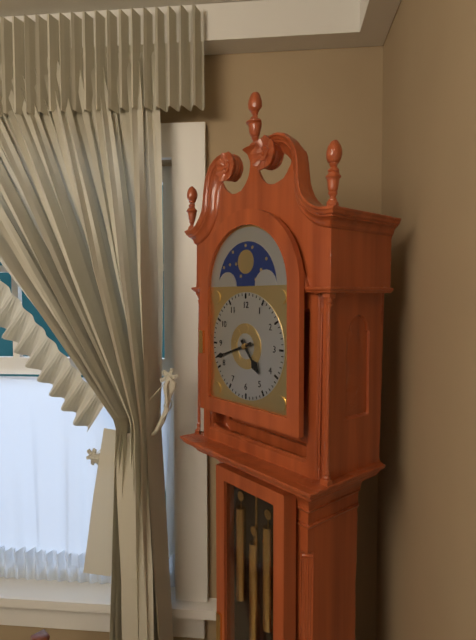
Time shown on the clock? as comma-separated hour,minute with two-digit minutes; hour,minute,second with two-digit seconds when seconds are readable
4,42
